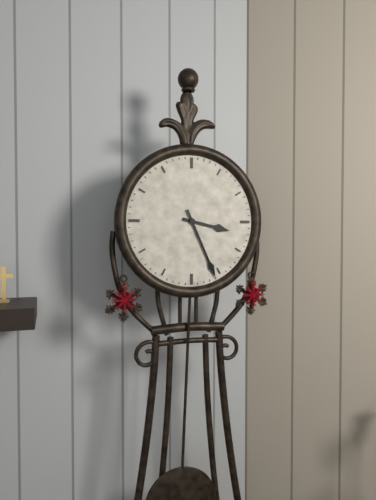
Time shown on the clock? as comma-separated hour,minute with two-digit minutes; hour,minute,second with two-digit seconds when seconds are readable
3,26
